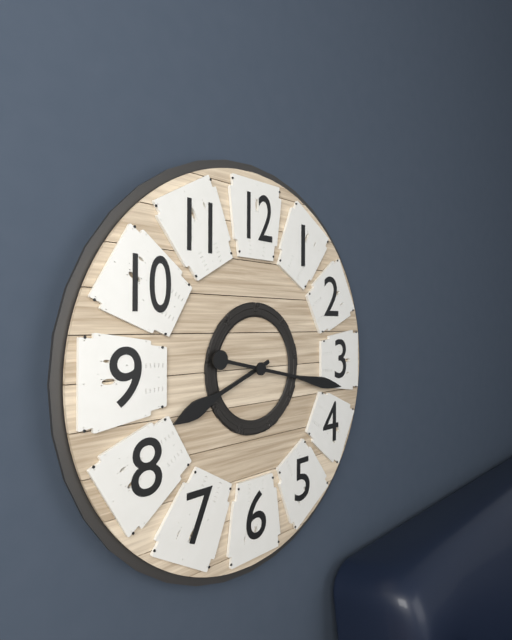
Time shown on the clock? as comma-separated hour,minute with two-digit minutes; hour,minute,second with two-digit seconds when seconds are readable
8,17
